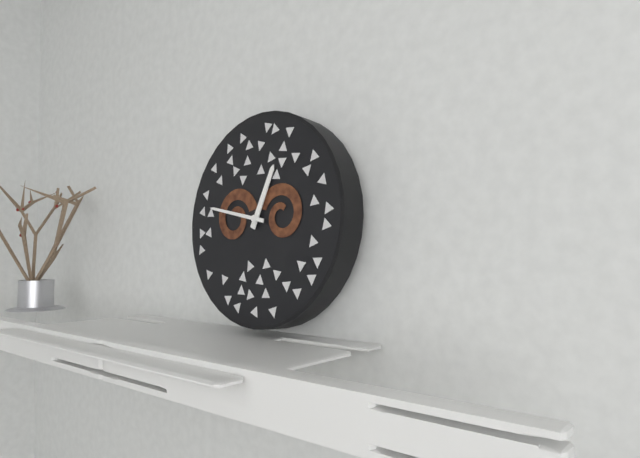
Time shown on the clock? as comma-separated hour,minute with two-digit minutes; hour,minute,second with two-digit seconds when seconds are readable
12,47
